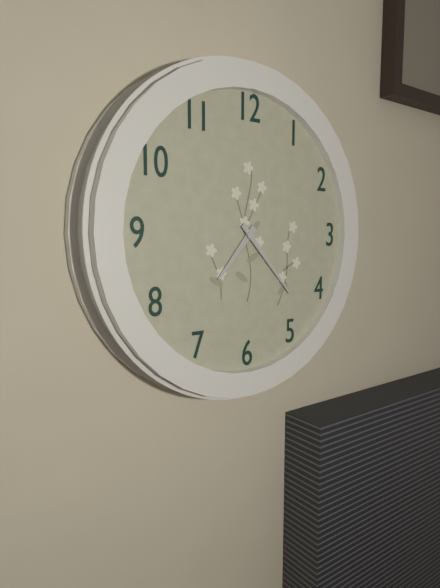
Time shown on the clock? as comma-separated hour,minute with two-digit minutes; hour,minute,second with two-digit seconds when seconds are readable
7,23
